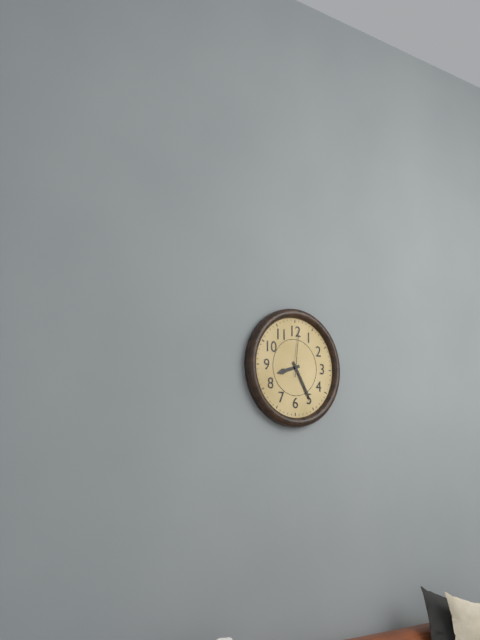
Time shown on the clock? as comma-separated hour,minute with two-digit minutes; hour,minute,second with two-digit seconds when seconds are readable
8,25
